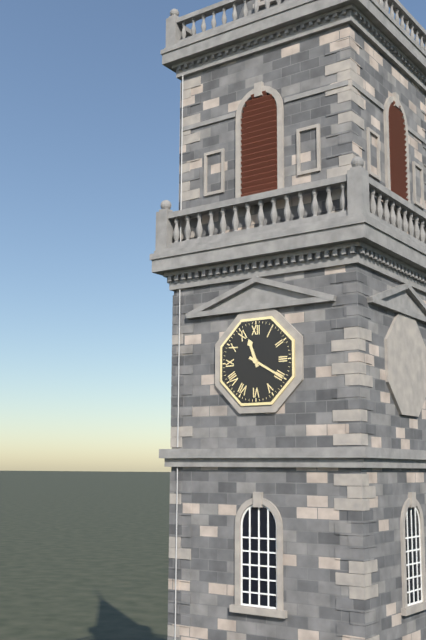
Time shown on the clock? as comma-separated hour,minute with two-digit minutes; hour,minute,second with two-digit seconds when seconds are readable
11,20
